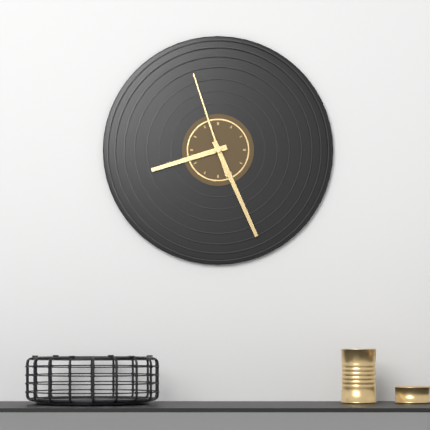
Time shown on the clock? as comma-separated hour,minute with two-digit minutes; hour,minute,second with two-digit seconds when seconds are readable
8,26,57
